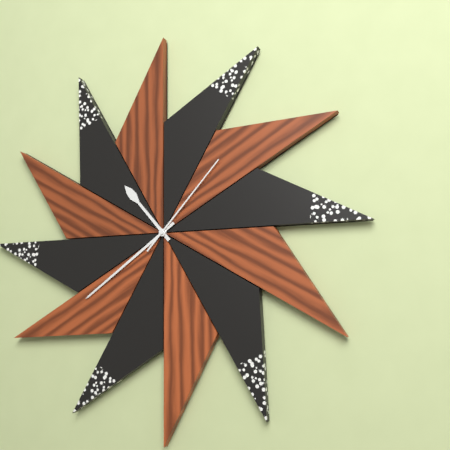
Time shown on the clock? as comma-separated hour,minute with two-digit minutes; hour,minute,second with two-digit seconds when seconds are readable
10,39,07
